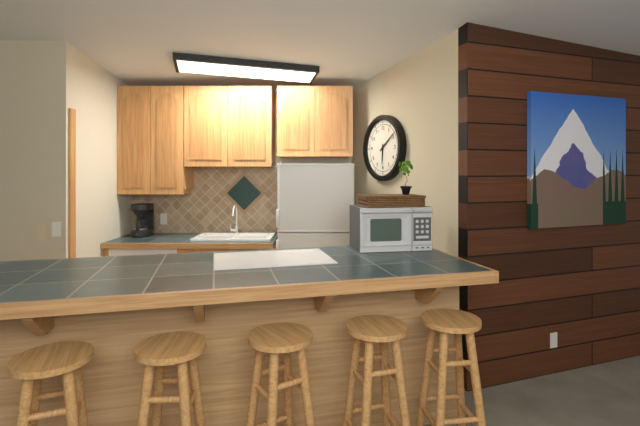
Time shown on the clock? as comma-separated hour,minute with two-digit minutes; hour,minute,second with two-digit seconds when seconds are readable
6,09
